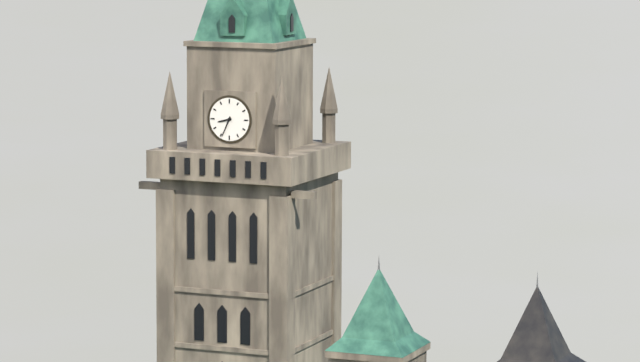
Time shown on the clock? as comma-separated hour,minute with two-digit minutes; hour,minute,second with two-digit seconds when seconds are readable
8,34
